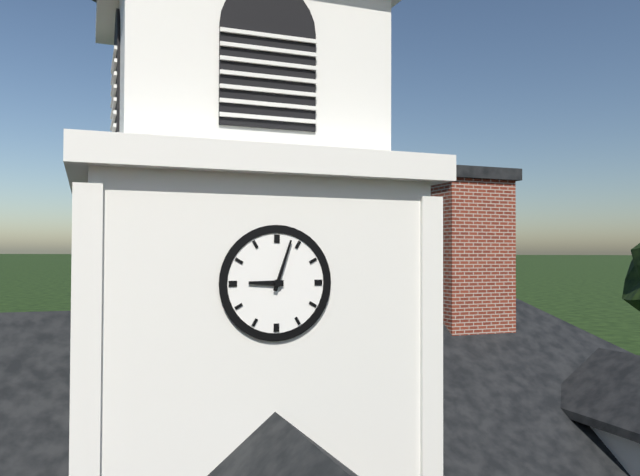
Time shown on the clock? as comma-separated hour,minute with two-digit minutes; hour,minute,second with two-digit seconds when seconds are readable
9,03
